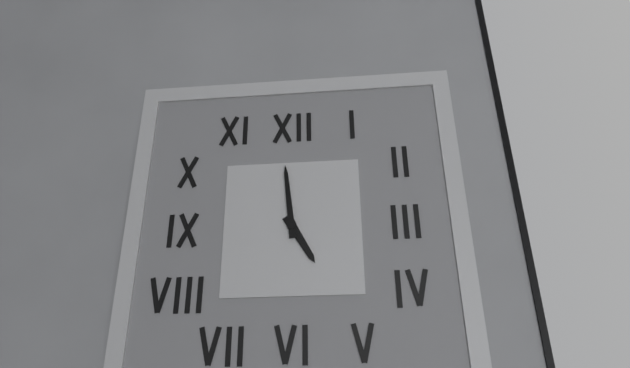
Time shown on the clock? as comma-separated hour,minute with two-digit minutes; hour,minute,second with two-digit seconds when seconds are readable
4,59
